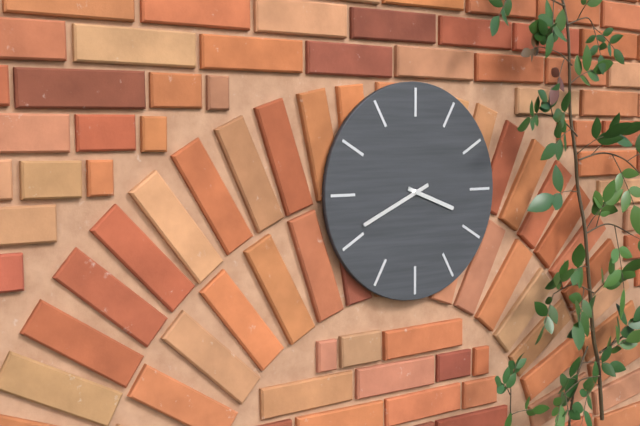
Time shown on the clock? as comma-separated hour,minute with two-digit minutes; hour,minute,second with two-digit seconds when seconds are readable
3,41
